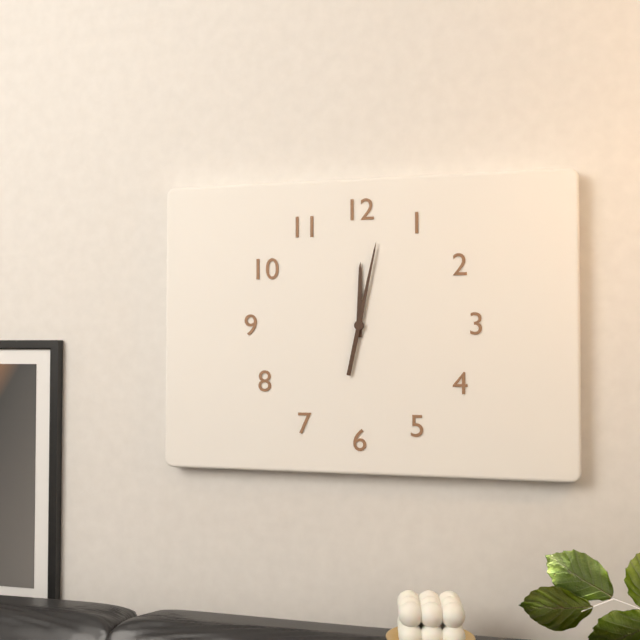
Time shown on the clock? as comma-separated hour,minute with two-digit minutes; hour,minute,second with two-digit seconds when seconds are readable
12,02
